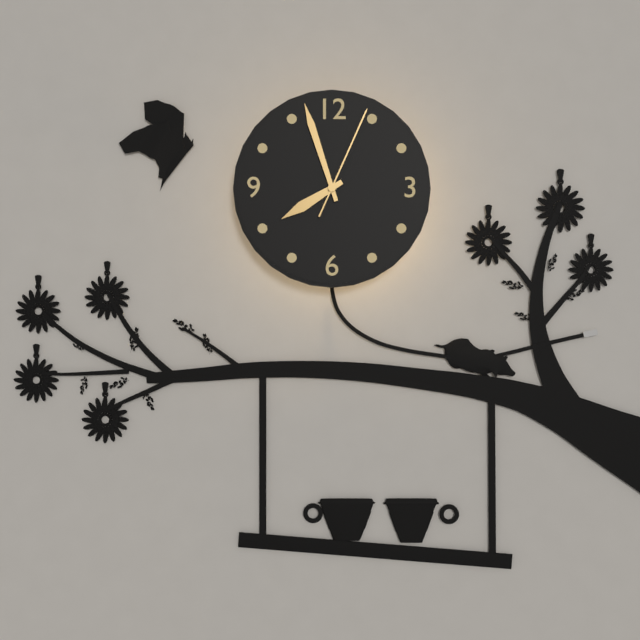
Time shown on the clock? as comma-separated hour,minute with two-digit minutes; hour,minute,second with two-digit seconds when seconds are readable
7,57,04
